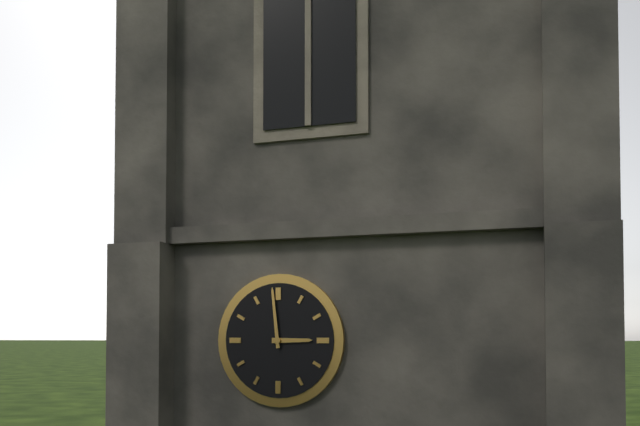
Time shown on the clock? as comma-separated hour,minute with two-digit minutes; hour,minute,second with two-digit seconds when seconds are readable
2,59
